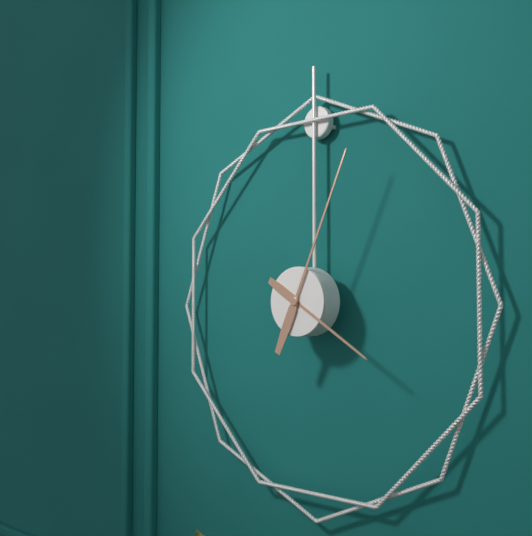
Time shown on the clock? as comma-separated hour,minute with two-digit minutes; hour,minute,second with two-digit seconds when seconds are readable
4,04
